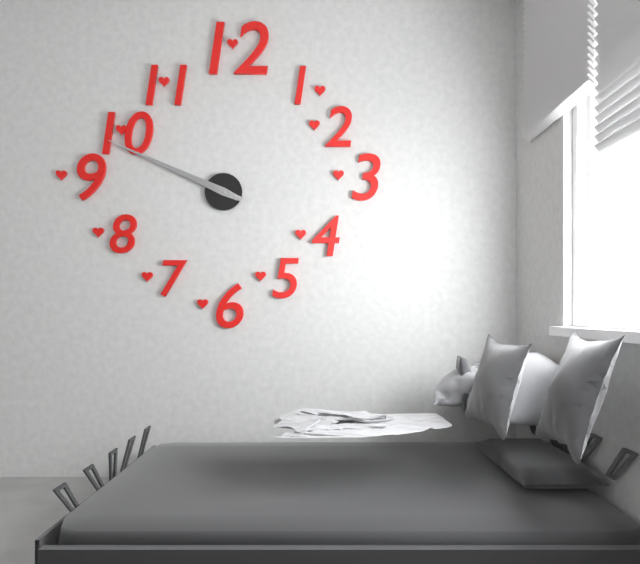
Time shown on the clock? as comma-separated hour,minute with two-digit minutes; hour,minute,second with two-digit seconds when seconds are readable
9,49
